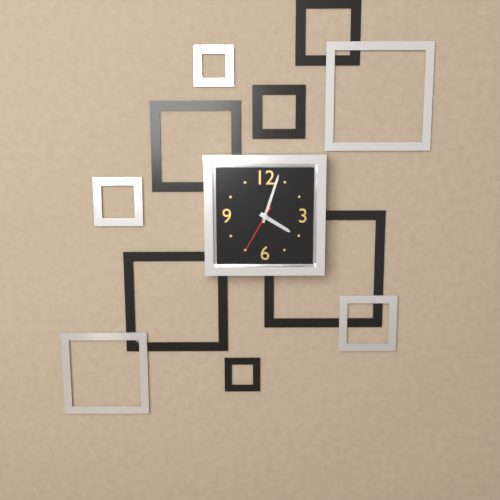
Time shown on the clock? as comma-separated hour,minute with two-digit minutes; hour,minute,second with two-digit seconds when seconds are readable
4,03
